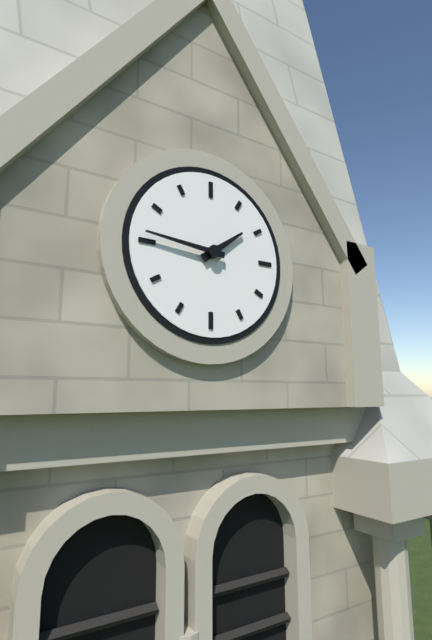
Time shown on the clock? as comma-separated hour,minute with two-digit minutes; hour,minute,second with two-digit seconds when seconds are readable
1,46
